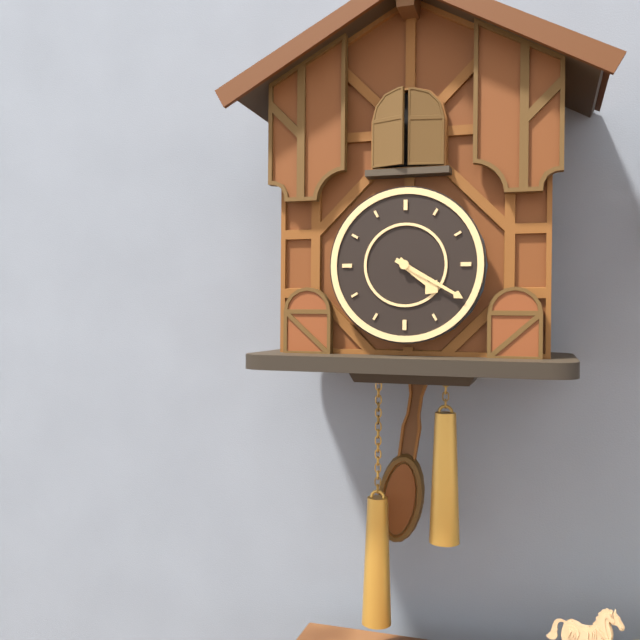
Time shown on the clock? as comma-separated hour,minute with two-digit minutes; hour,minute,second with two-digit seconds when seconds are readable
4,20
